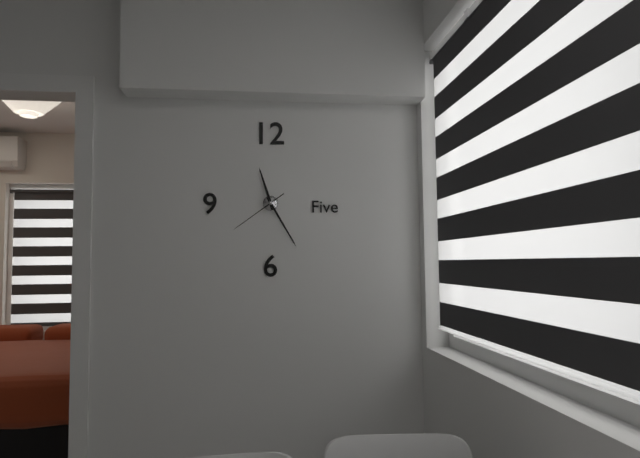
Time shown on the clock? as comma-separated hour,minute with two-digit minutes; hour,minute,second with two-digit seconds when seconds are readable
11,25,39
